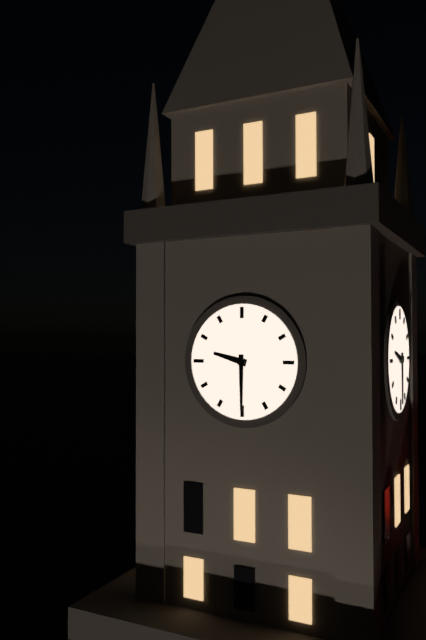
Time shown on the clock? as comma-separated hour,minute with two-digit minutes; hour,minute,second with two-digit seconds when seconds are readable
9,30
